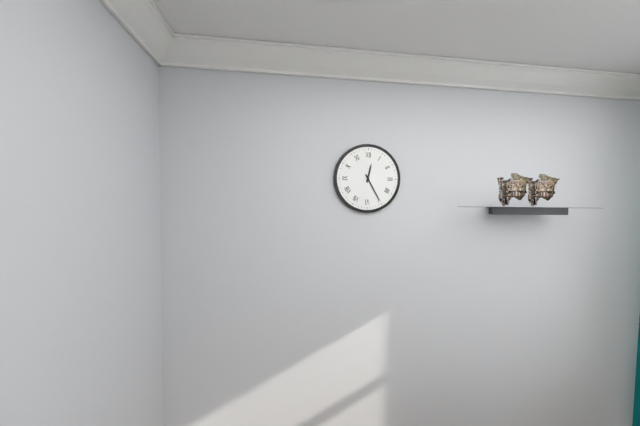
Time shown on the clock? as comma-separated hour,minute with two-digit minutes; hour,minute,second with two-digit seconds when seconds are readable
12,25
